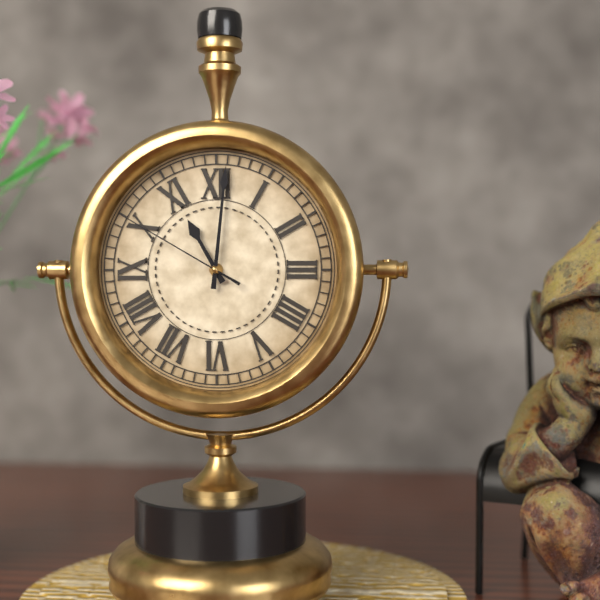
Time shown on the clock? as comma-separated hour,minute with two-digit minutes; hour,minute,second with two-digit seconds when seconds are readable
11,01,50
